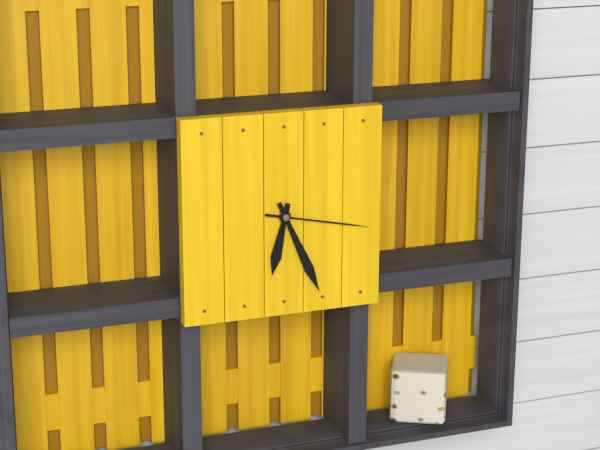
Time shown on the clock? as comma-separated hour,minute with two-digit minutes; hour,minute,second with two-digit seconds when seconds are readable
6,26,17
